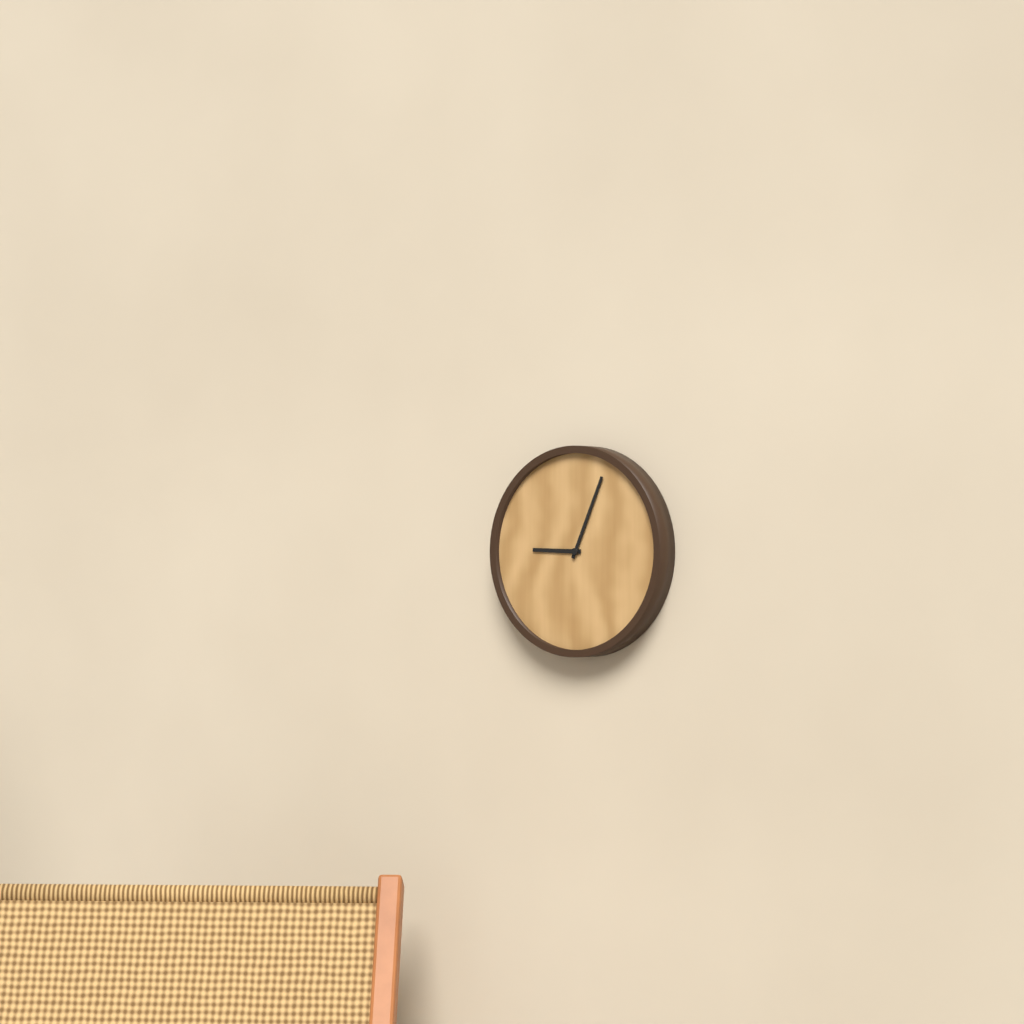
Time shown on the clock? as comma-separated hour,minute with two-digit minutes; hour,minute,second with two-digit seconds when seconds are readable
9,04
